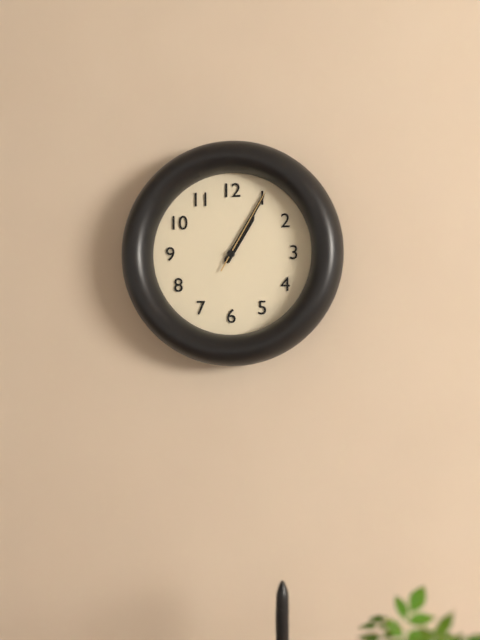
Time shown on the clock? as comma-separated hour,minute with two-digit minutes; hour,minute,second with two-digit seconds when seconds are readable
1,05,05
